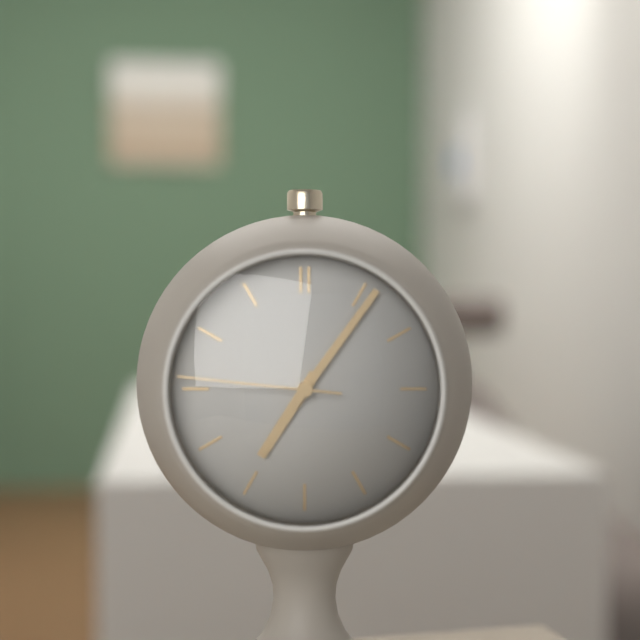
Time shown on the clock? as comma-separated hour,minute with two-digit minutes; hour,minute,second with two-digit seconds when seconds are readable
7,06,46
